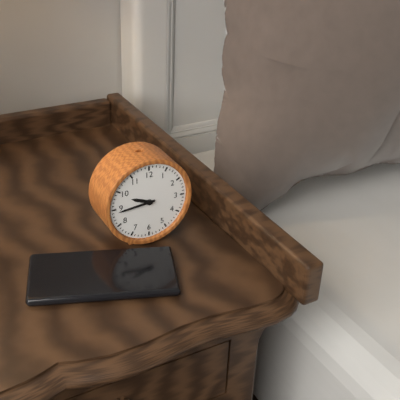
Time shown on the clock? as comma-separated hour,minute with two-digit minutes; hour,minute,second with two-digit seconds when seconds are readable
9,44
